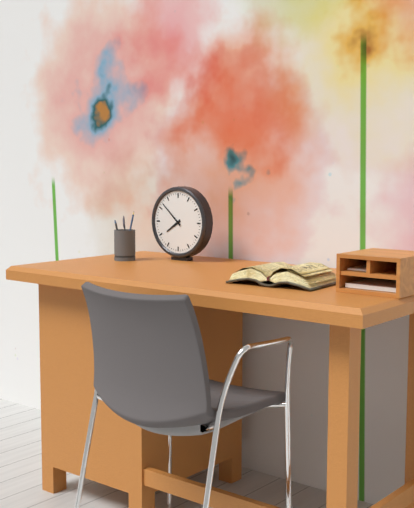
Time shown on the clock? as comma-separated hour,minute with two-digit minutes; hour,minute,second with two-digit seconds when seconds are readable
7,52
